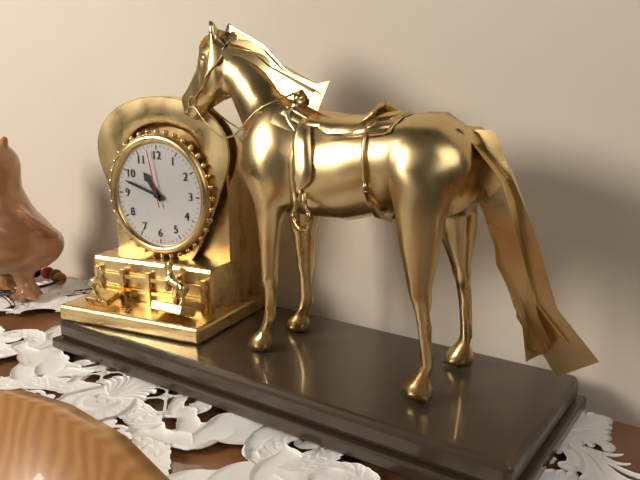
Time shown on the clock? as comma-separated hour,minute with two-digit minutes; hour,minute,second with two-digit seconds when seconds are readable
10,48,58
